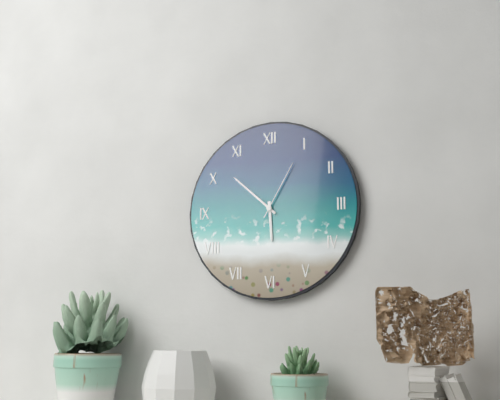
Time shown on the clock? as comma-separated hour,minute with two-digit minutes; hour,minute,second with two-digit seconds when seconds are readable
5,52,05
